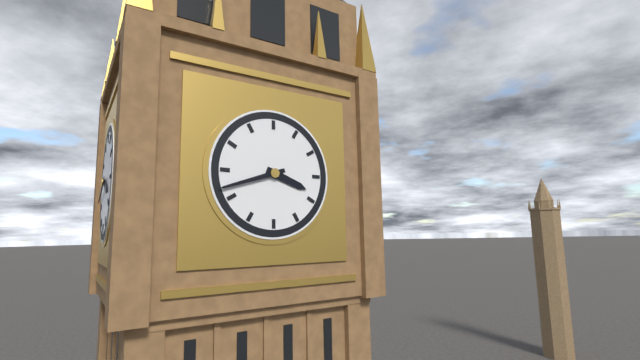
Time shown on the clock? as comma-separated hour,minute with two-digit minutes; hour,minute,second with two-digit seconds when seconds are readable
3,42
